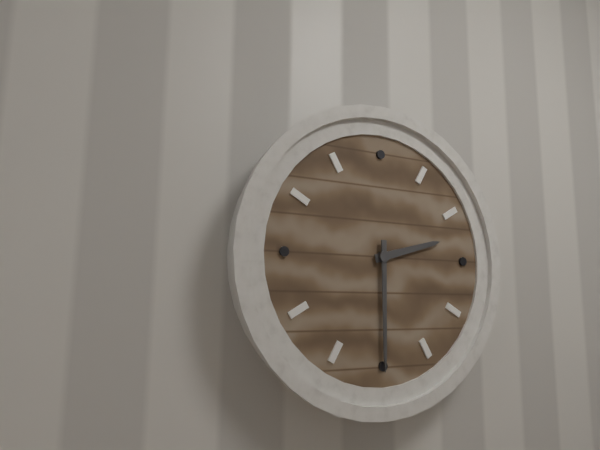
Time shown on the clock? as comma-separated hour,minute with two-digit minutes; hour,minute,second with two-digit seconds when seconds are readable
2,30
